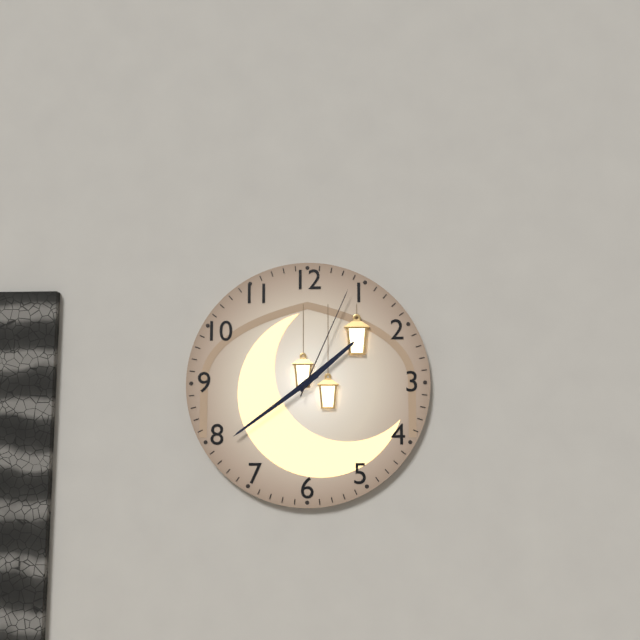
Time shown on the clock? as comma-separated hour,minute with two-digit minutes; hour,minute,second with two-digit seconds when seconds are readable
1,39,04
